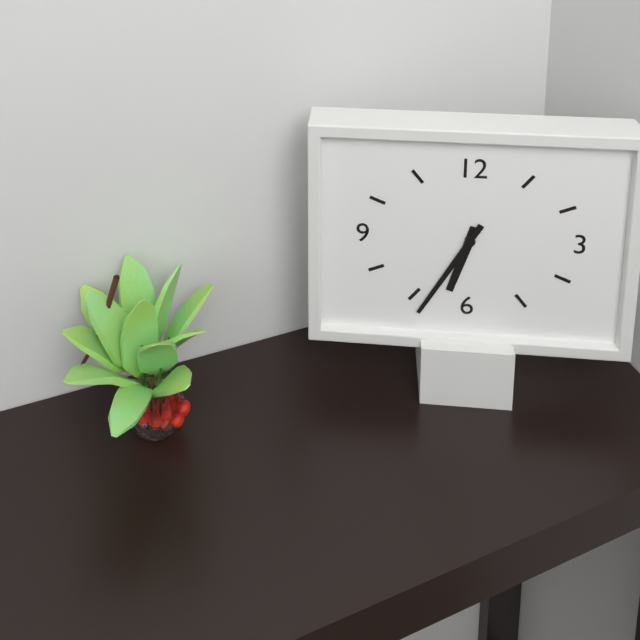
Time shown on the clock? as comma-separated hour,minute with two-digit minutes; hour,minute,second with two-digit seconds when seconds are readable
6,35
